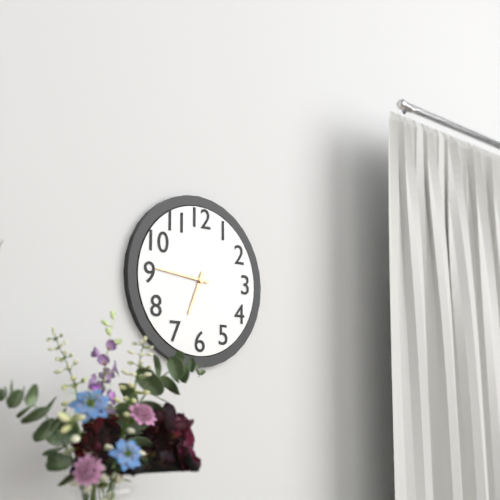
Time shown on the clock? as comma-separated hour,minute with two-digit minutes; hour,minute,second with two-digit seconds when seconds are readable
6,46
